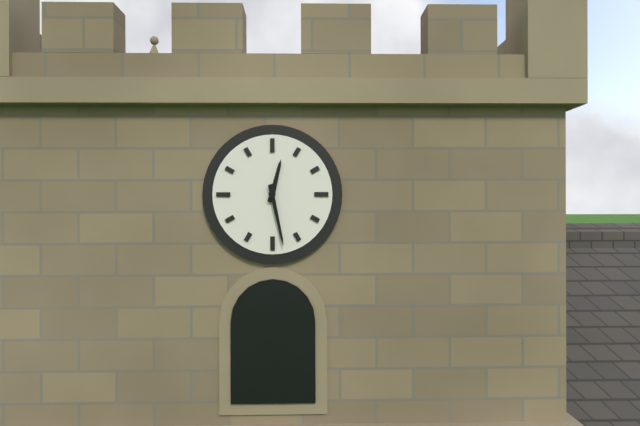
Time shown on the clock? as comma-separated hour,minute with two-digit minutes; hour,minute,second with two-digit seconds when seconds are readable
12,28
